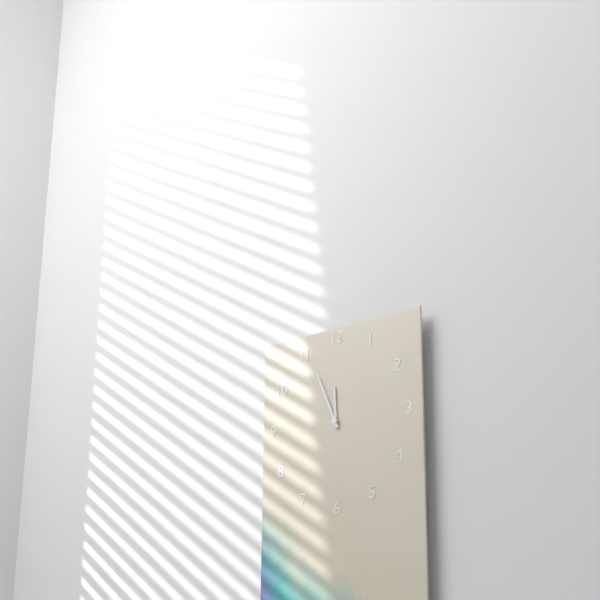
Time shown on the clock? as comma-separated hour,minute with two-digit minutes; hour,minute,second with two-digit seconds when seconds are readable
11,56
